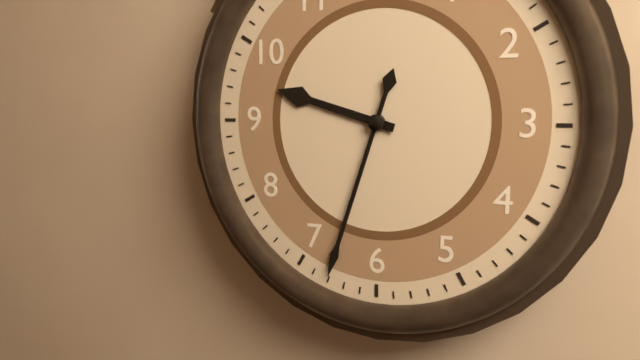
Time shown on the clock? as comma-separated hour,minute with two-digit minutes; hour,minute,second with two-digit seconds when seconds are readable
9,33
